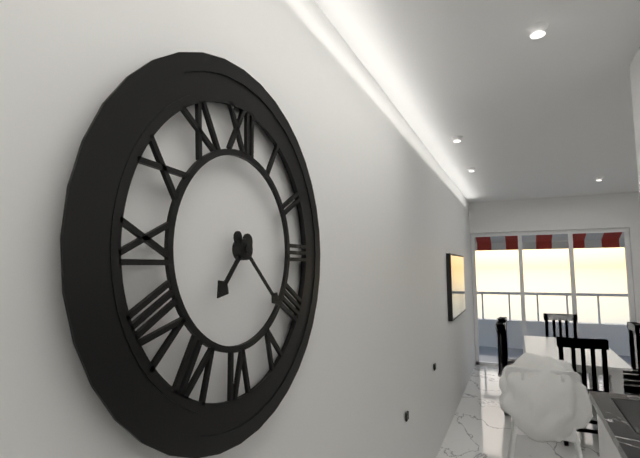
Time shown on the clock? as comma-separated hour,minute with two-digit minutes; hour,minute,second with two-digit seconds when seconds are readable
7,22
